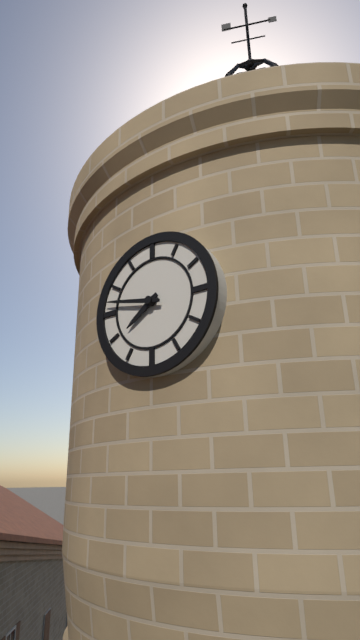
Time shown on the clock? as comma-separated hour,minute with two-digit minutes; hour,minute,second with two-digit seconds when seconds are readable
7,47
